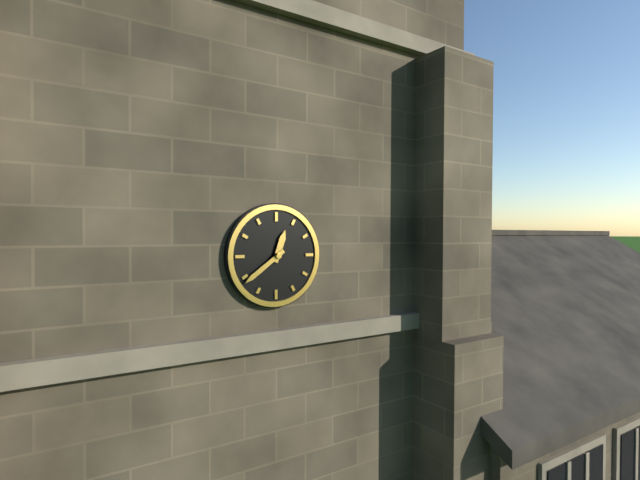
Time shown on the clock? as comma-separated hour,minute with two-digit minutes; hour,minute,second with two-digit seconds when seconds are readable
12,39
